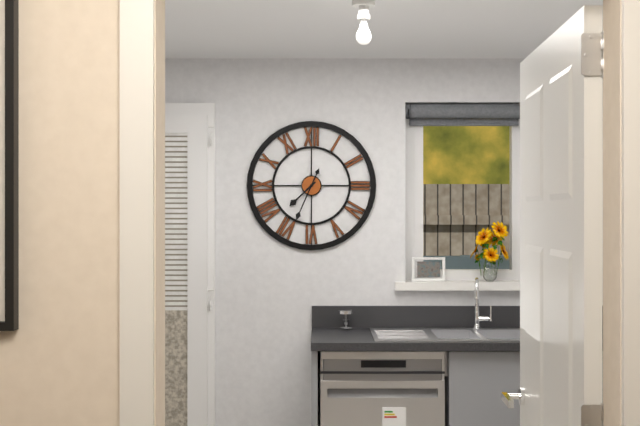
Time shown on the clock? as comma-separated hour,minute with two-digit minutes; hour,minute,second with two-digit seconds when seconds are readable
7,34
